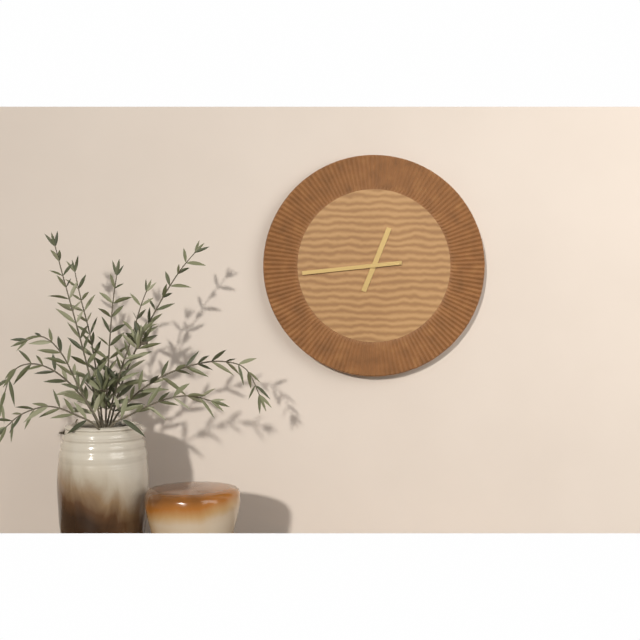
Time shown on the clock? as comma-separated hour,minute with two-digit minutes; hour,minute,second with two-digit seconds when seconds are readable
12,44
